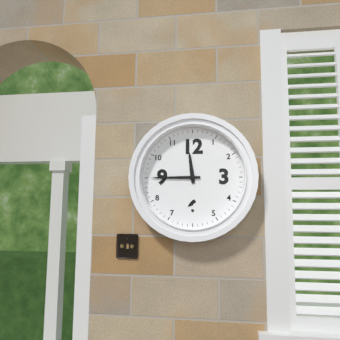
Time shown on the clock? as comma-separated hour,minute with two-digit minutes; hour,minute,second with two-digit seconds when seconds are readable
11,45
